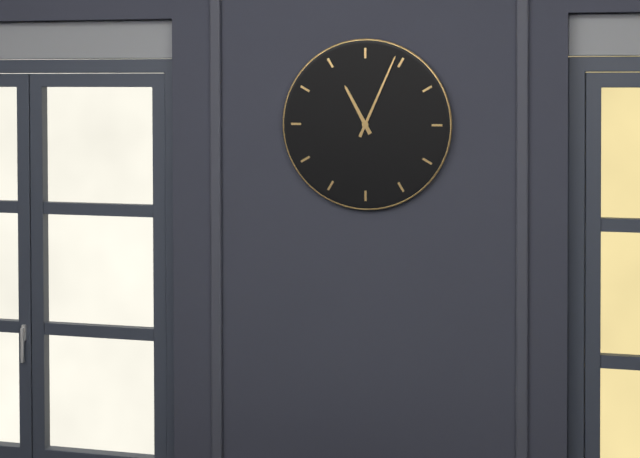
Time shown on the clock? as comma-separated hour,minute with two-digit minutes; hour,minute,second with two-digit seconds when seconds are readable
11,04
